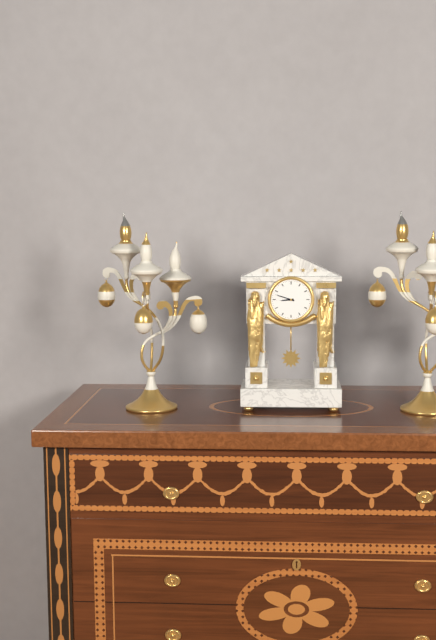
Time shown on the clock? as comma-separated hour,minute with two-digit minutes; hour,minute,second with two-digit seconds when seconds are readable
8,48
